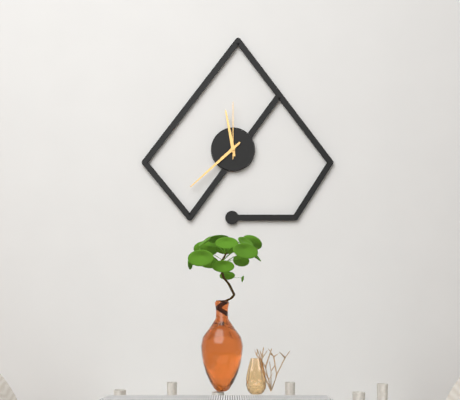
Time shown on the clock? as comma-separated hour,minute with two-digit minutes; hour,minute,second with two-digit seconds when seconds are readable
11,38,00
